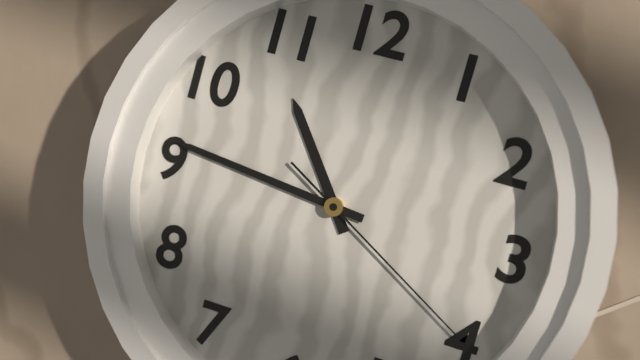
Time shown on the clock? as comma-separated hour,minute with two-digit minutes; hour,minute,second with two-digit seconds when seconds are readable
10,46,20
